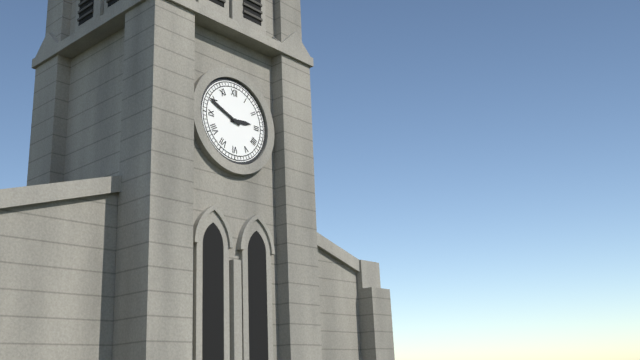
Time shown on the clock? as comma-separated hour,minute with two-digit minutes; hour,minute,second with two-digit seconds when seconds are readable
2,49
